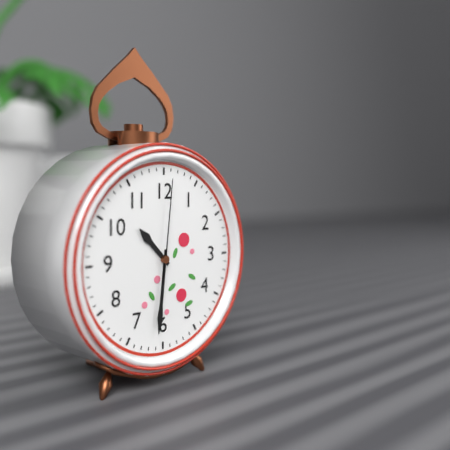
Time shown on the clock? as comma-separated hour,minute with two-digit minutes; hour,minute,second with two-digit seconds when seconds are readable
10,31,01
